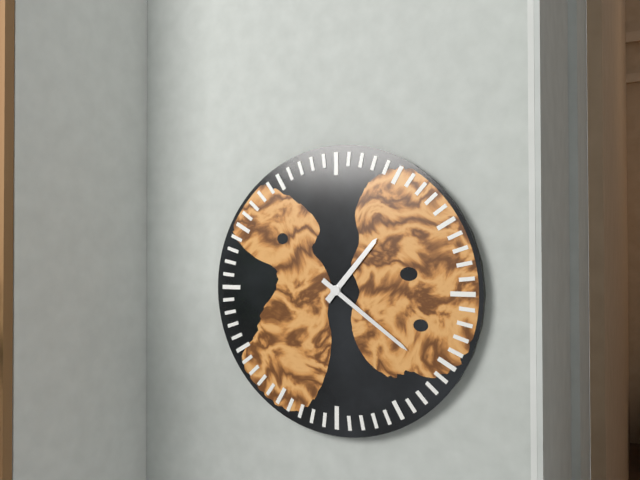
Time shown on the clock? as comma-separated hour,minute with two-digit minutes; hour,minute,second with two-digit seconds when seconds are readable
1,21
